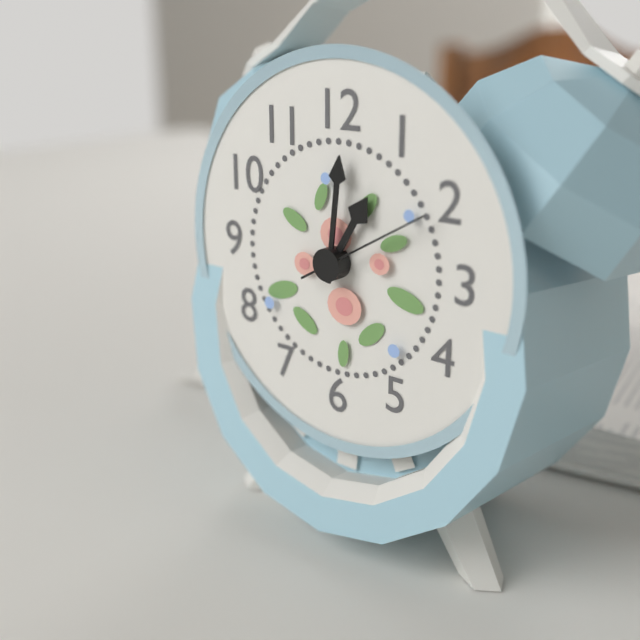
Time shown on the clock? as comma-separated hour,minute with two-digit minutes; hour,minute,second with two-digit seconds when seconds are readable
1,01,10
